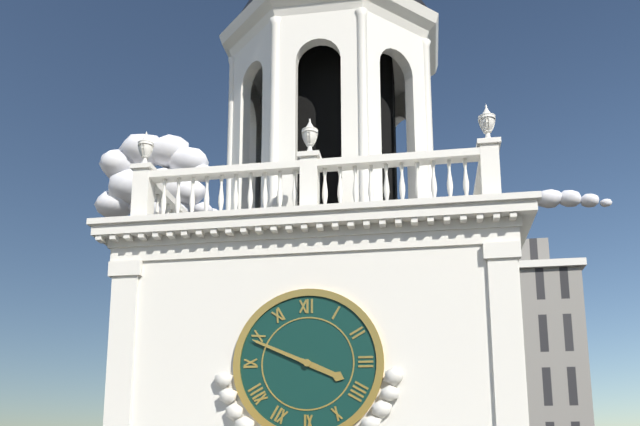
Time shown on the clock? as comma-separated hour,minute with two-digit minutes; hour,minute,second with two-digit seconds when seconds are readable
3,49
